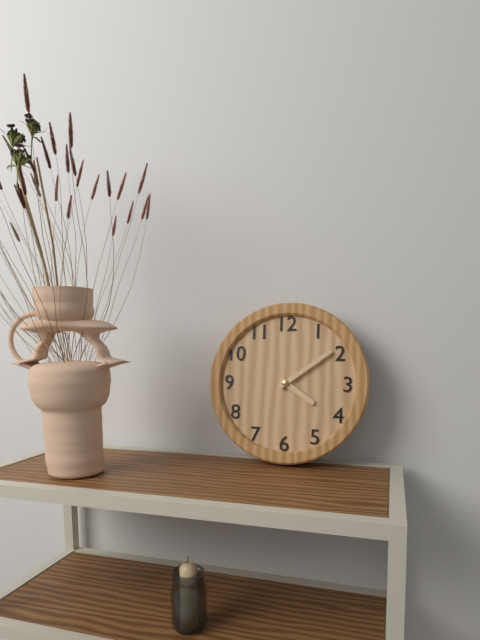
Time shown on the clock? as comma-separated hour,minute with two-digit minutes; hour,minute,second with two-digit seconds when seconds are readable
4,09
